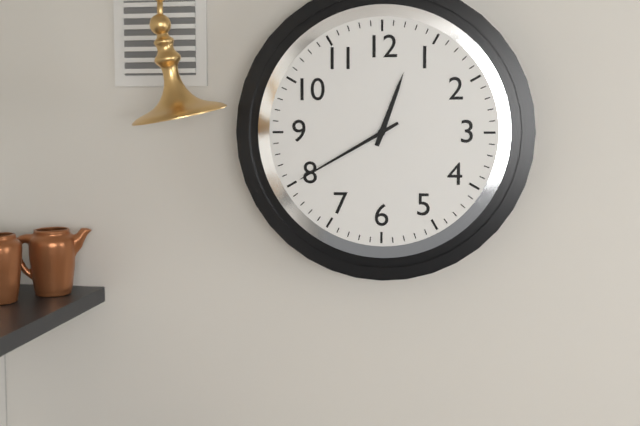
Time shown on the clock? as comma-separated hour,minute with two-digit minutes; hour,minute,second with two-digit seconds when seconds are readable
12,40
